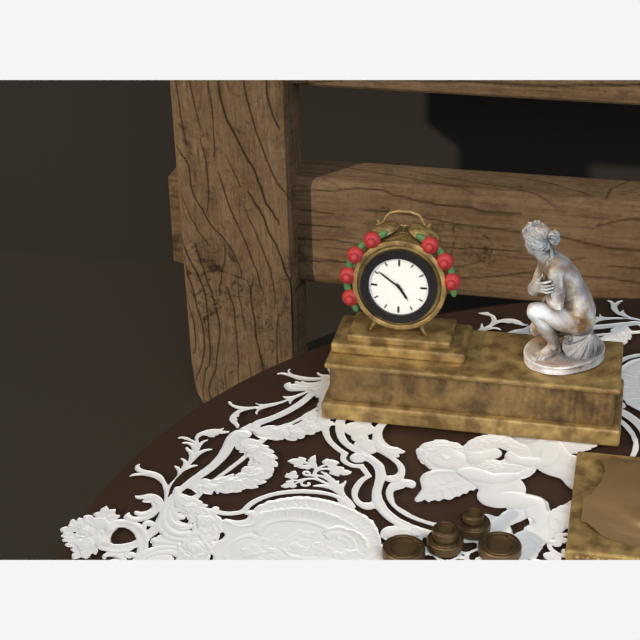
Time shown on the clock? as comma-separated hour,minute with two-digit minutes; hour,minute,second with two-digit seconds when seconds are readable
4,51
